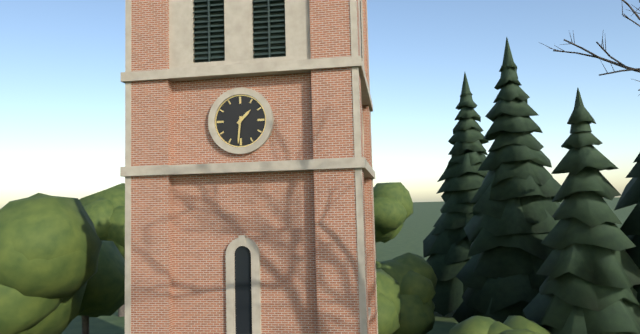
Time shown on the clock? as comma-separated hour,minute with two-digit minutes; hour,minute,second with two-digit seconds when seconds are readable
1,31
